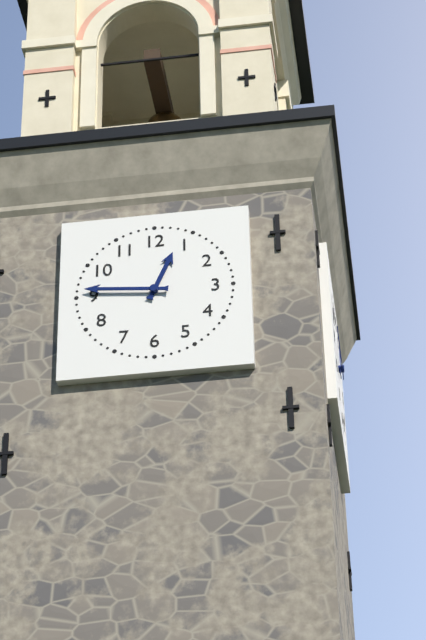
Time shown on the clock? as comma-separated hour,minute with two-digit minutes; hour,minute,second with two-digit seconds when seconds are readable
12,46
